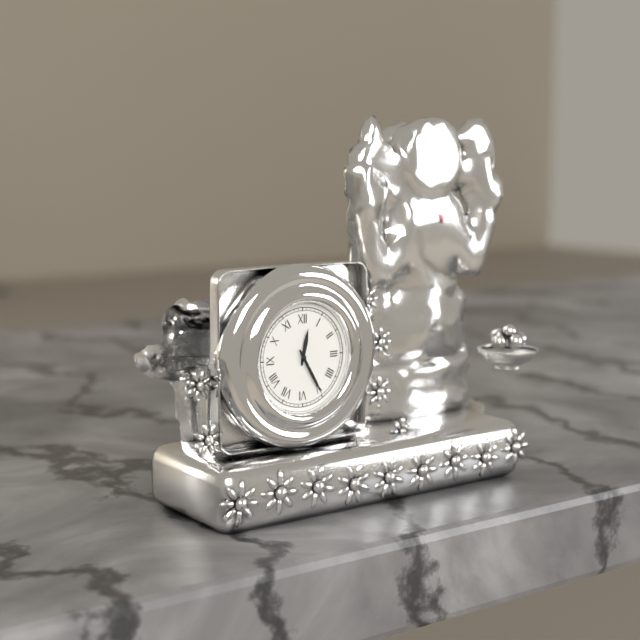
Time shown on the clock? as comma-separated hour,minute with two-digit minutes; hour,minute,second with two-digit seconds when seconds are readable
12,25
